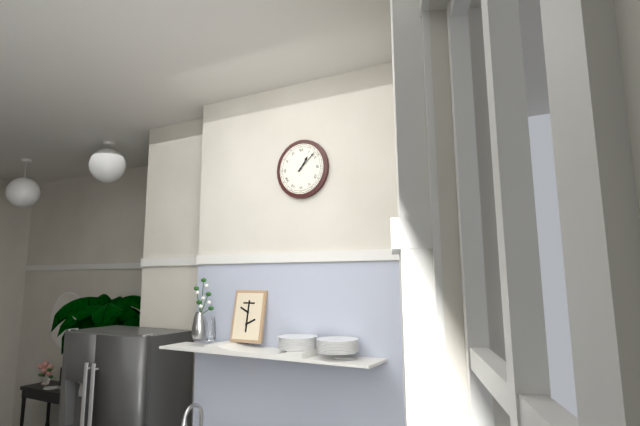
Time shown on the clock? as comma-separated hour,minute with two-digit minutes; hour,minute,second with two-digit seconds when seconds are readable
1,08
